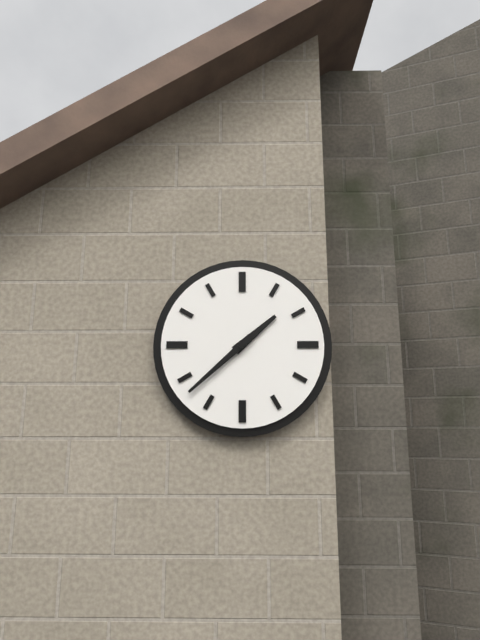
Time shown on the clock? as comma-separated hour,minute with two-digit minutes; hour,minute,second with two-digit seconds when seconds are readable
1,38
